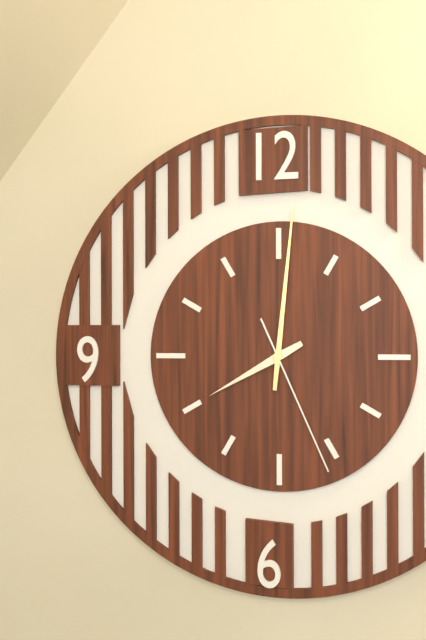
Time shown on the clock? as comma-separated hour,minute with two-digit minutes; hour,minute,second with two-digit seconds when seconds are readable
8,01,26
